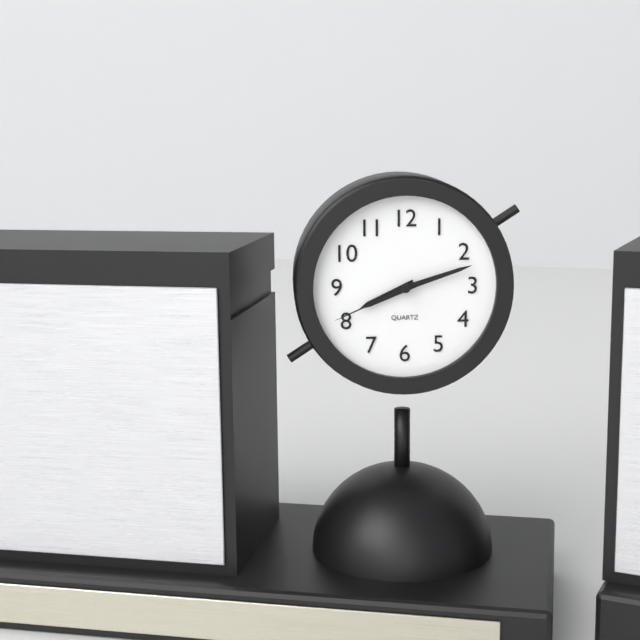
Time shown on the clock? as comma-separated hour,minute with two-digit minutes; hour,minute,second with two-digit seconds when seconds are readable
8,12,41
